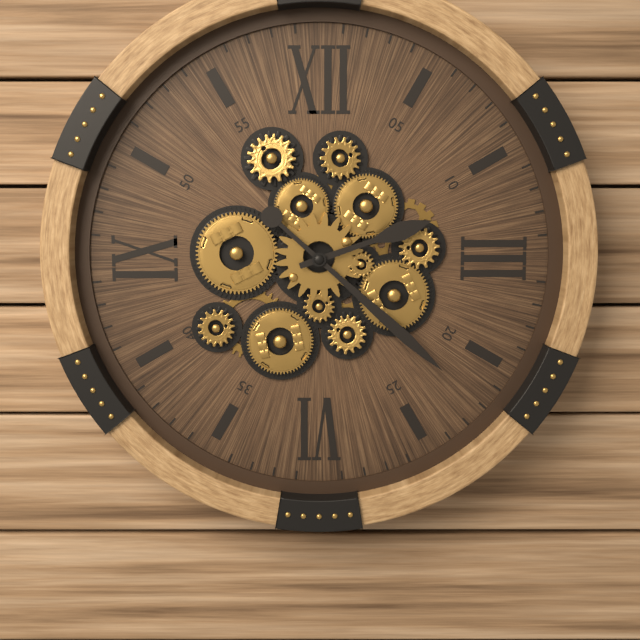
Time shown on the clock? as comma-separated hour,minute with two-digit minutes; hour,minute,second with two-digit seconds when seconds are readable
2,22
